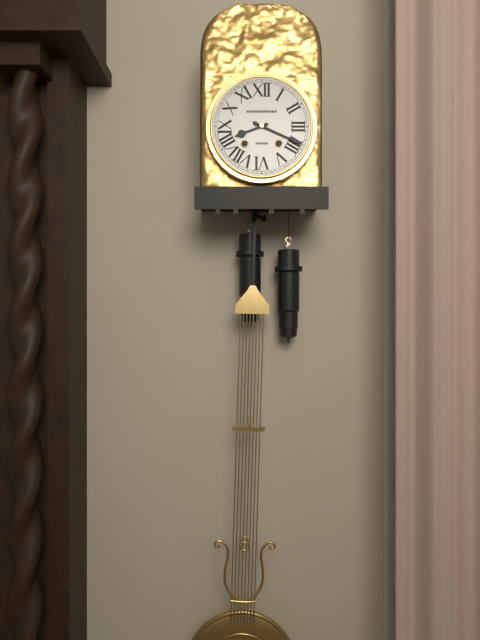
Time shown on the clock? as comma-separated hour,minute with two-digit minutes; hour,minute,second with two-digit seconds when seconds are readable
8,19
